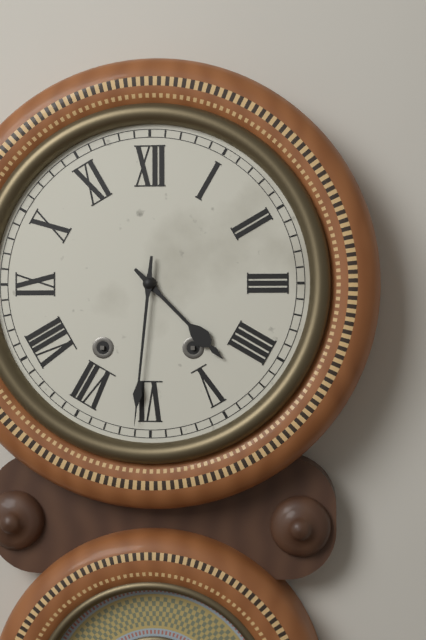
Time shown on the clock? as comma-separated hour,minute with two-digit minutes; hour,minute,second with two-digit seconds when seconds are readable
4,31
